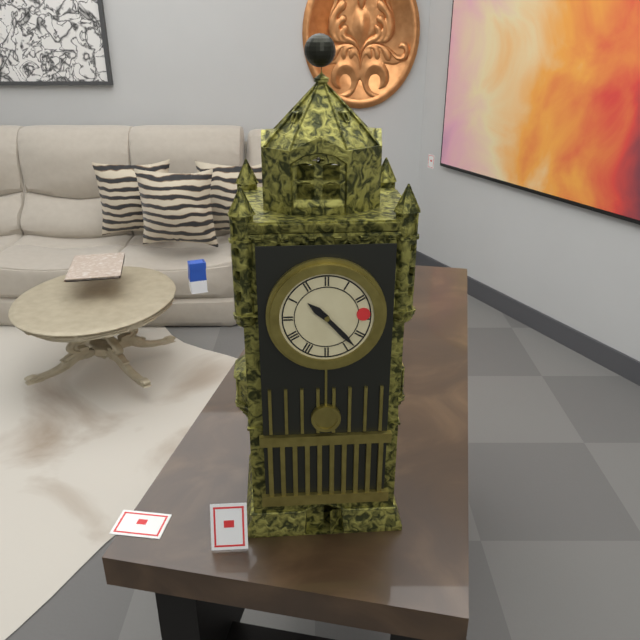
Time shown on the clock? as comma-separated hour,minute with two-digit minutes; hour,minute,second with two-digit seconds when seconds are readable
10,23
